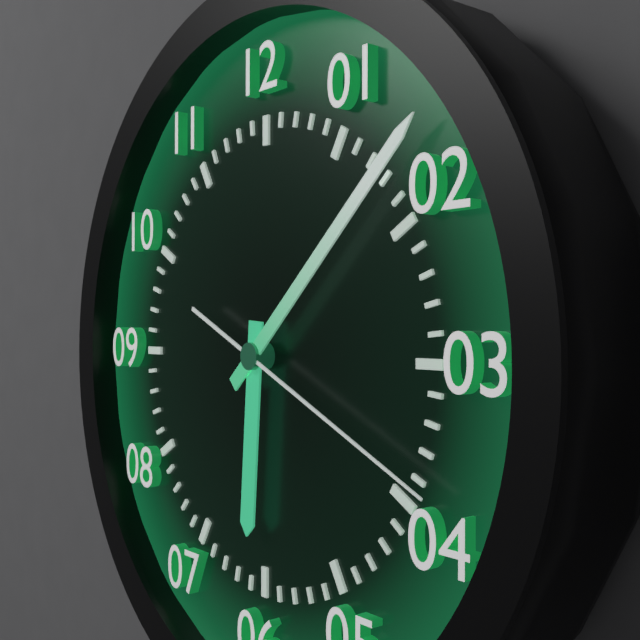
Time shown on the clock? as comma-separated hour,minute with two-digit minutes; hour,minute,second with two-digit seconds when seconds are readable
6,08,19
